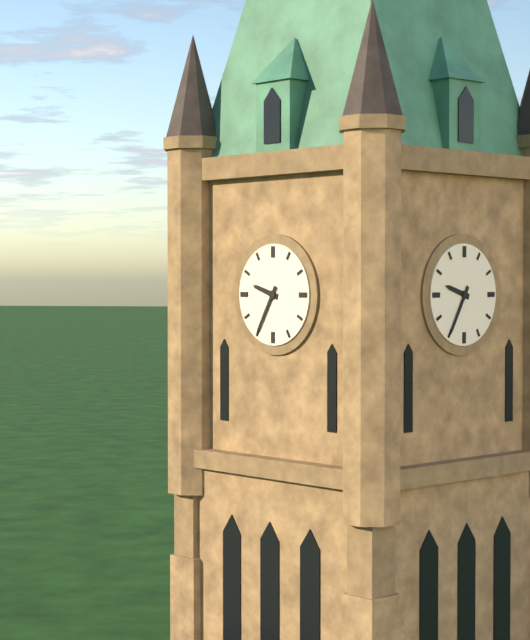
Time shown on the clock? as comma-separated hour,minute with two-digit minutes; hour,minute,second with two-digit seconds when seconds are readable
9,35
